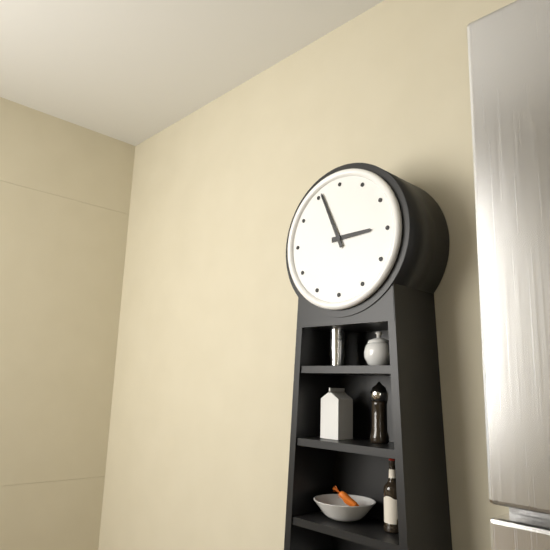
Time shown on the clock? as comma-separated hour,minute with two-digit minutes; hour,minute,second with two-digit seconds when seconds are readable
2,56
